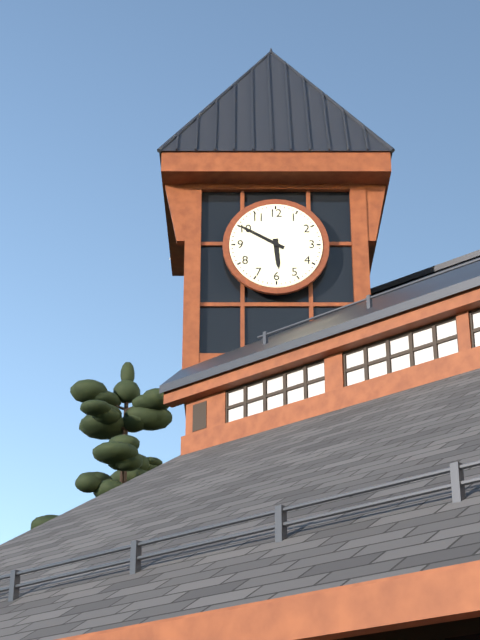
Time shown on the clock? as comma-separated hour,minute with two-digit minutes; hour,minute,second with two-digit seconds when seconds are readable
5,50
